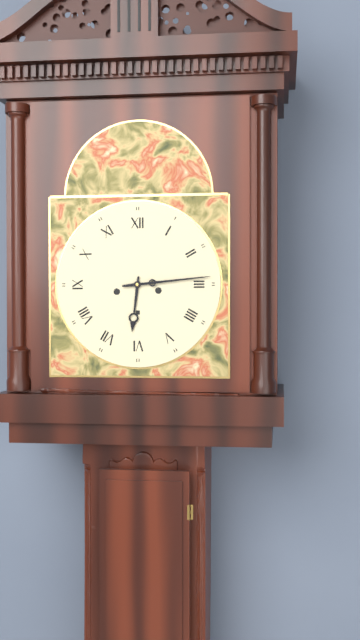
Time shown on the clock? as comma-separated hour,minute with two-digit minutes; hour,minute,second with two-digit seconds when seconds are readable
6,14
